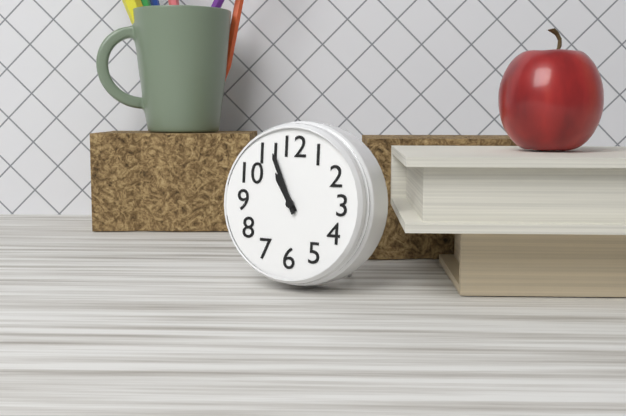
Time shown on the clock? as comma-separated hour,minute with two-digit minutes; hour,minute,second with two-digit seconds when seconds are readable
10,56
